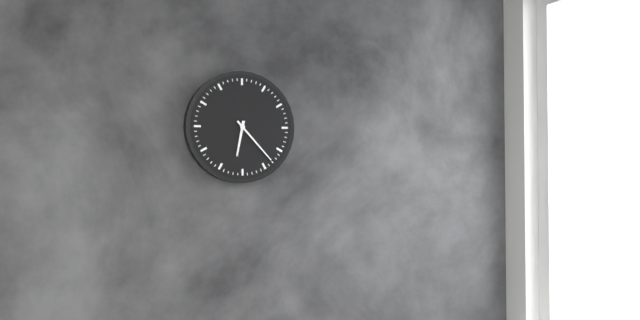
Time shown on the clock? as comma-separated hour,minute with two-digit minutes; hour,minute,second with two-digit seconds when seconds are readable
6,23
